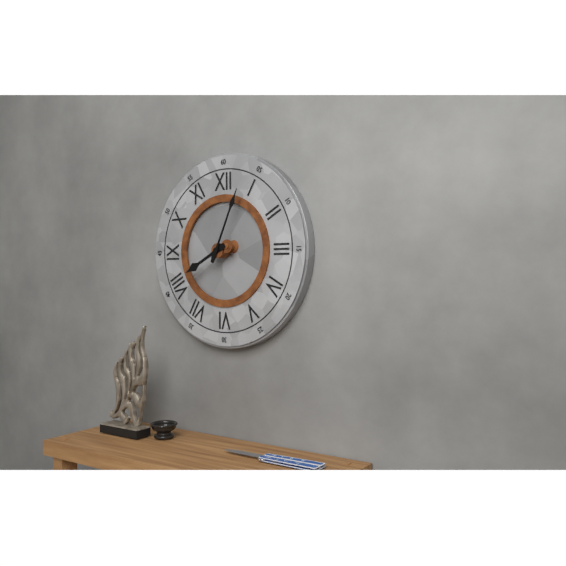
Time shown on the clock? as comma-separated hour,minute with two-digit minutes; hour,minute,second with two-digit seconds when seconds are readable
8,04
